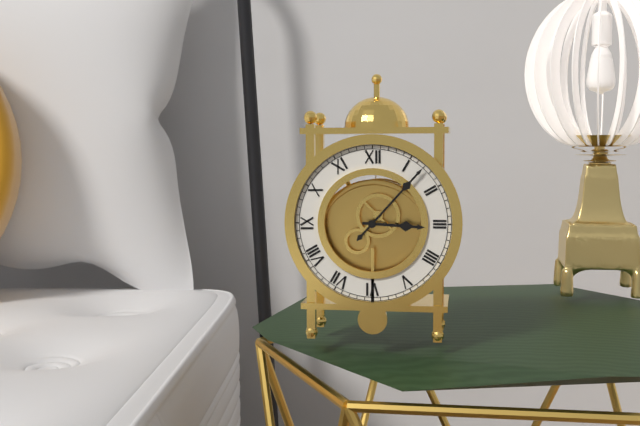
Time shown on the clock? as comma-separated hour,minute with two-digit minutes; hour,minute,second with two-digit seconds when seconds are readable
3,07
